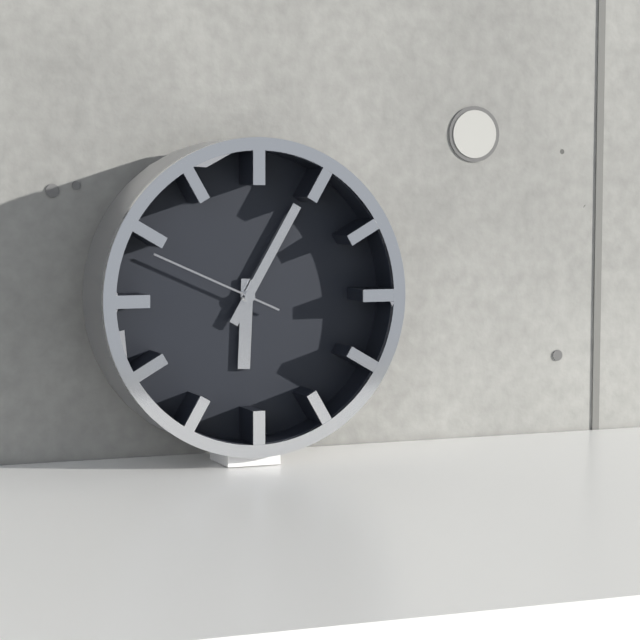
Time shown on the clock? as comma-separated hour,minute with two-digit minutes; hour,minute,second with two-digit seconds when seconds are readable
6,05,49
